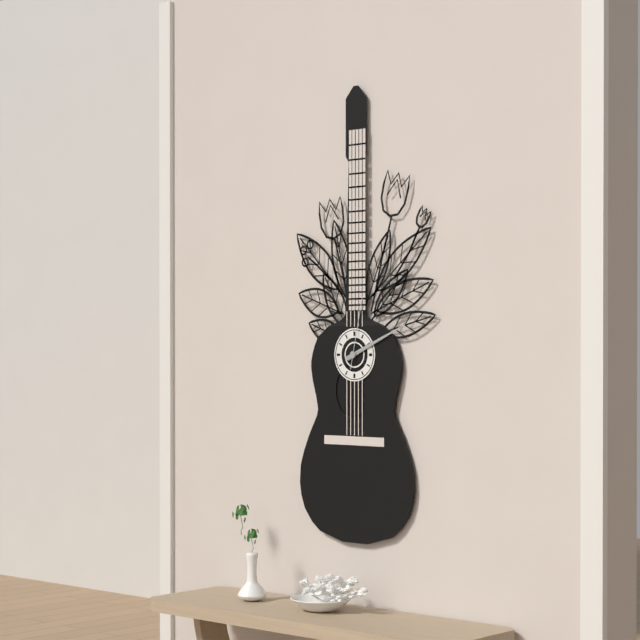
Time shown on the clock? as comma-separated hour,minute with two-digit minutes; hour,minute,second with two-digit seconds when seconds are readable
2,11,02
